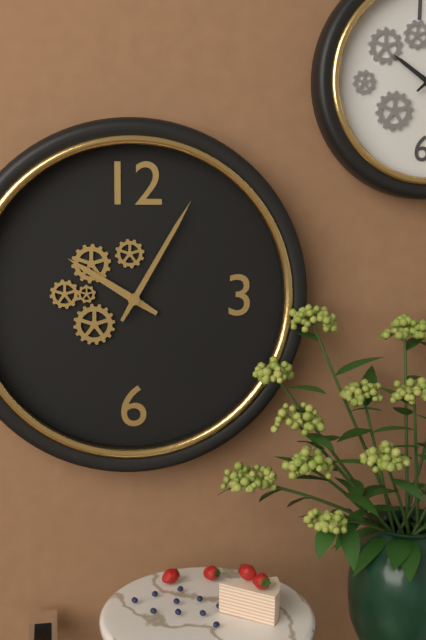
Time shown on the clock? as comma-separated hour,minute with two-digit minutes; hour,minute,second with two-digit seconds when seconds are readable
10,05
